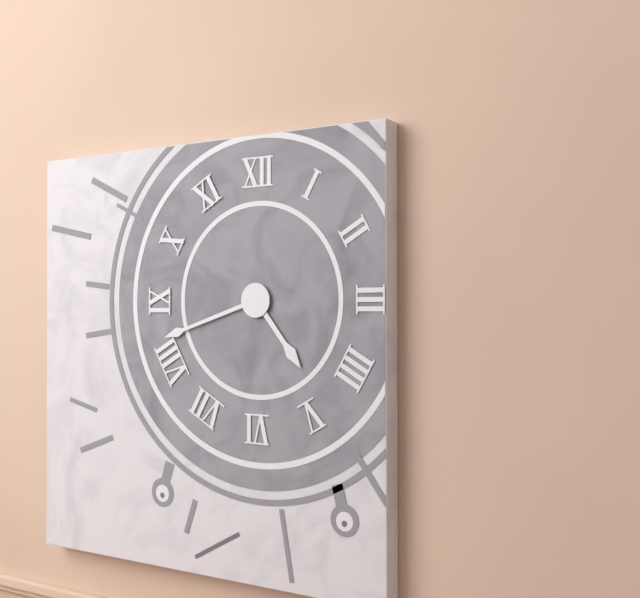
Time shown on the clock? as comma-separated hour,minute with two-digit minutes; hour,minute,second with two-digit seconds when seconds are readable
4,42
